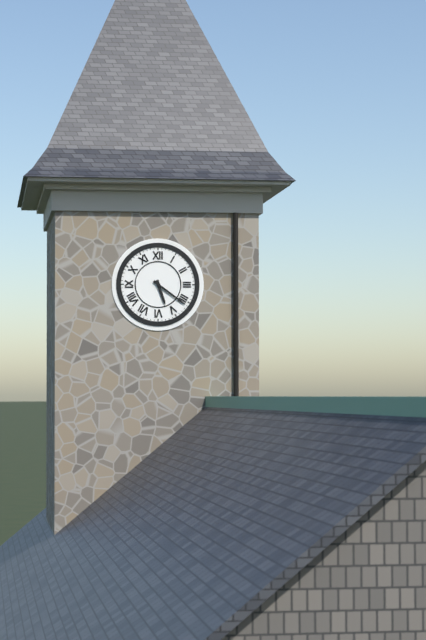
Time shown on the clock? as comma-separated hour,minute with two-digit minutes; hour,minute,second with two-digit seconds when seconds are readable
5,21
